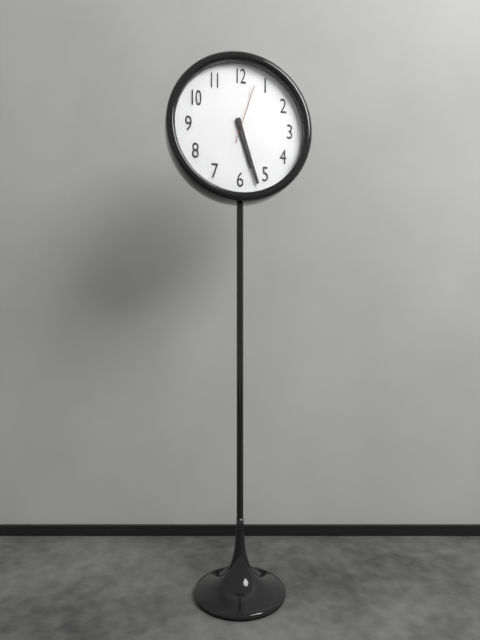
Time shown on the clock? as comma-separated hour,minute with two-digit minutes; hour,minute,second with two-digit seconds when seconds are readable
5,27,03
